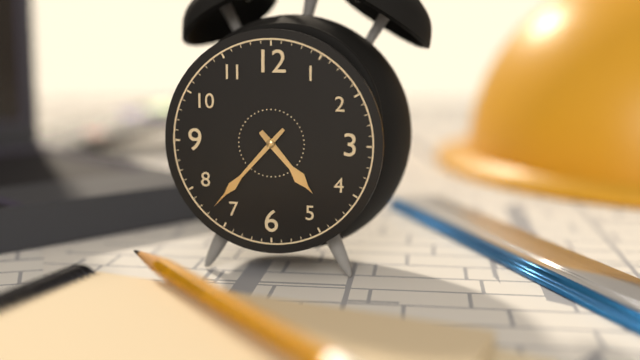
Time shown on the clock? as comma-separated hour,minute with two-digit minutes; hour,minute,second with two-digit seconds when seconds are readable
4,37
